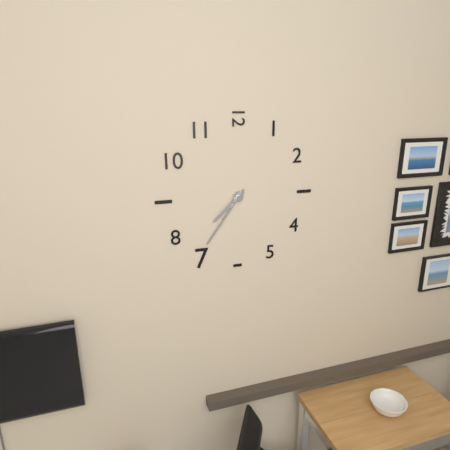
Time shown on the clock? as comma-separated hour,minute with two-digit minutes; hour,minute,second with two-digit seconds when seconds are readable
7,36
